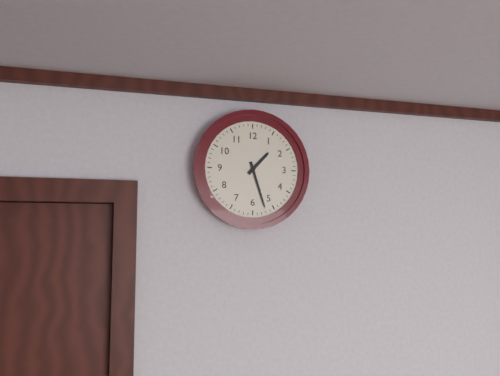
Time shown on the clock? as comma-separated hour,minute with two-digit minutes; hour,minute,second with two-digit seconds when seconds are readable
1,27
